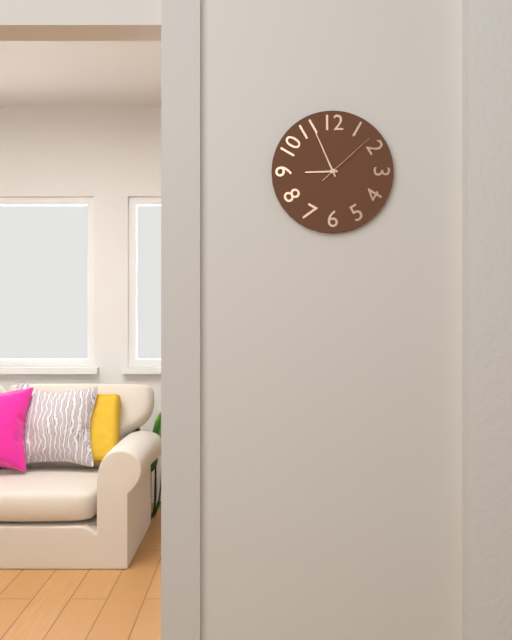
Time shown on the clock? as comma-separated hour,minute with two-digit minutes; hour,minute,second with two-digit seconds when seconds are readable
8,56,08
